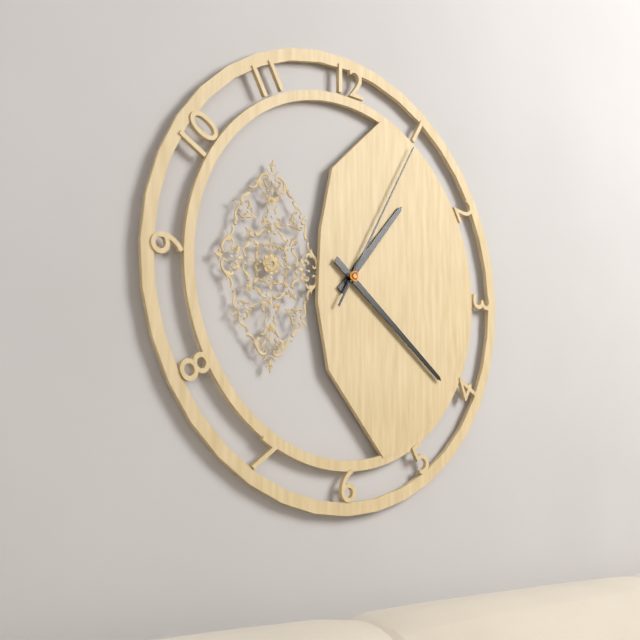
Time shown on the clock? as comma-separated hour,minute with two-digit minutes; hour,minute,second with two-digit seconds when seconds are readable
1,21,05
